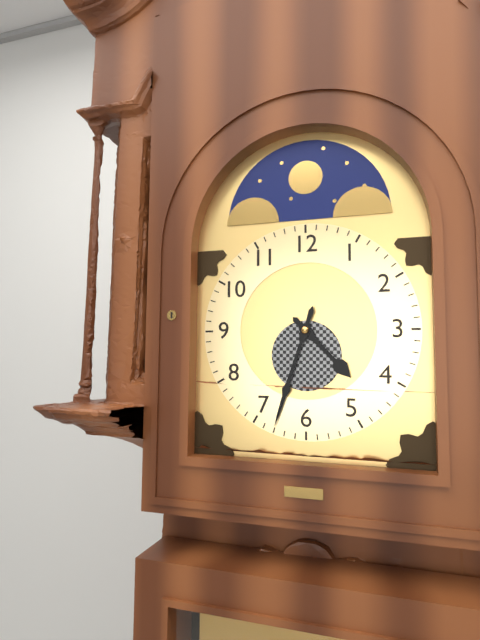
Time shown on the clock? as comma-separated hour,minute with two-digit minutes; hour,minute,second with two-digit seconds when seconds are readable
4,33
